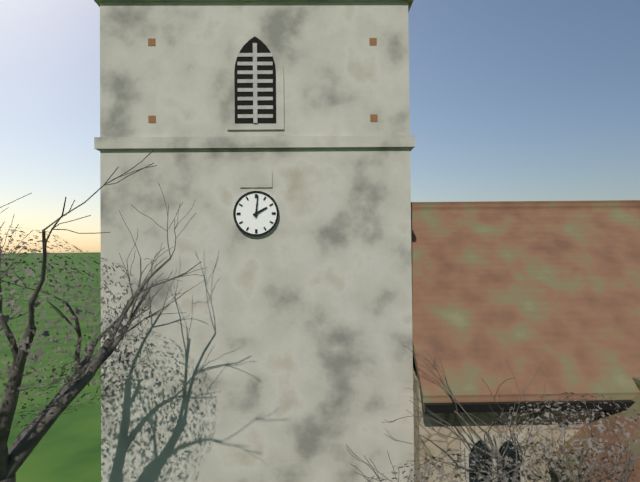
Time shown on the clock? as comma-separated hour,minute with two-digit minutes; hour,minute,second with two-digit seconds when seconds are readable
2,01
